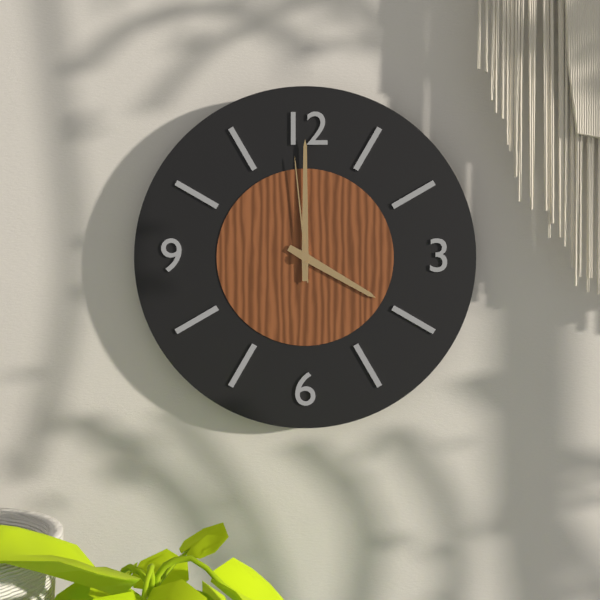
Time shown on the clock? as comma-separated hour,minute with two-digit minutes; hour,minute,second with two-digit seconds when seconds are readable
4,00,59
